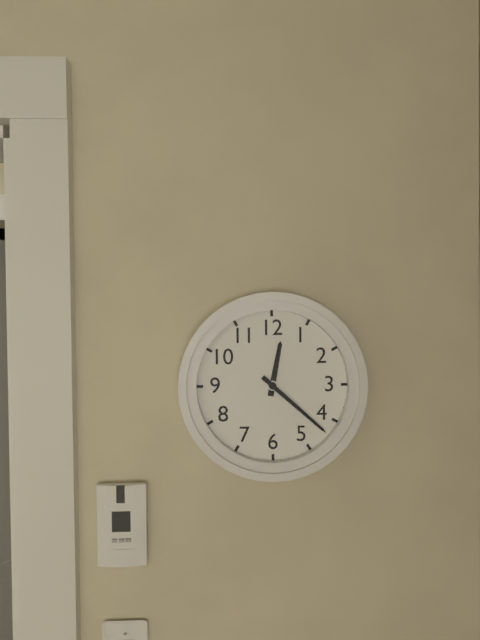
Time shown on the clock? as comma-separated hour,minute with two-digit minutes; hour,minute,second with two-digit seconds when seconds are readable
12,22
